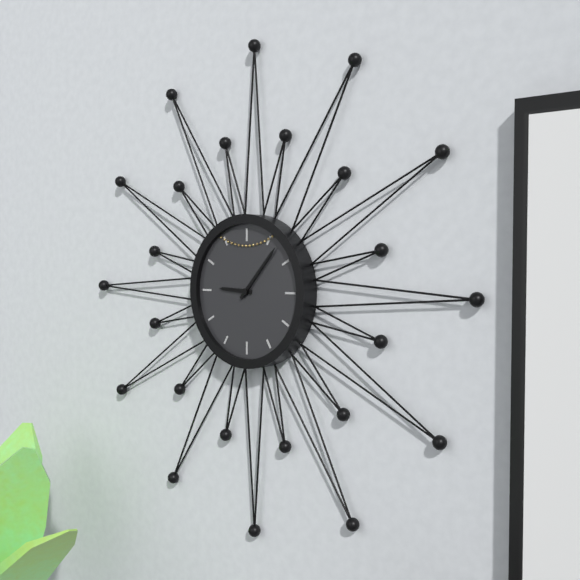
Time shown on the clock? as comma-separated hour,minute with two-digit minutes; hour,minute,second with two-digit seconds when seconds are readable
9,07
